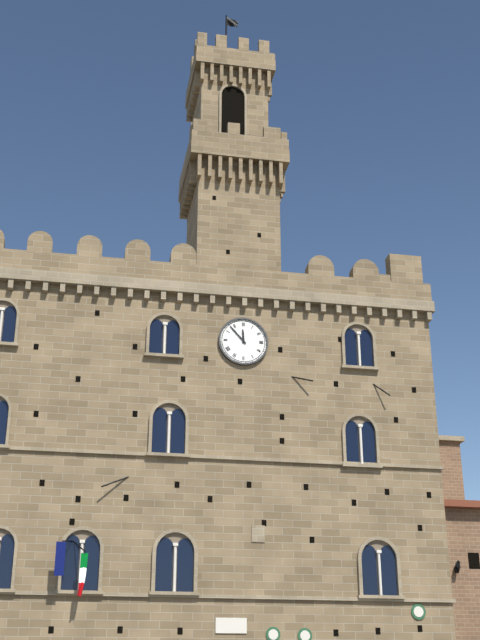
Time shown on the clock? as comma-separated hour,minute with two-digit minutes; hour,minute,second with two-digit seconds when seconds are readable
11,53
